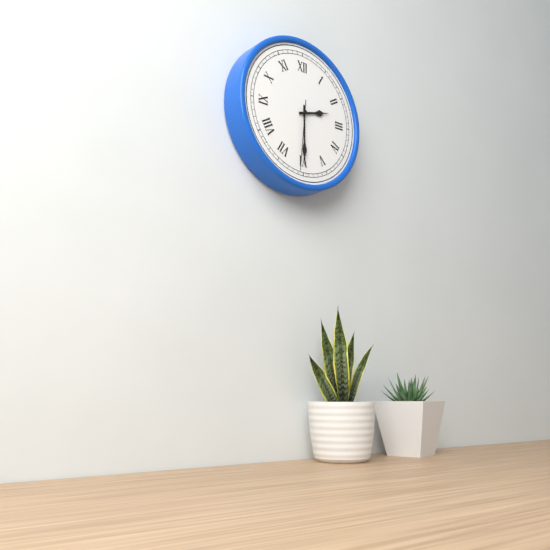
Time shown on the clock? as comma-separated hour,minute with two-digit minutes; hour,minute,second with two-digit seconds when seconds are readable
2,30,31
